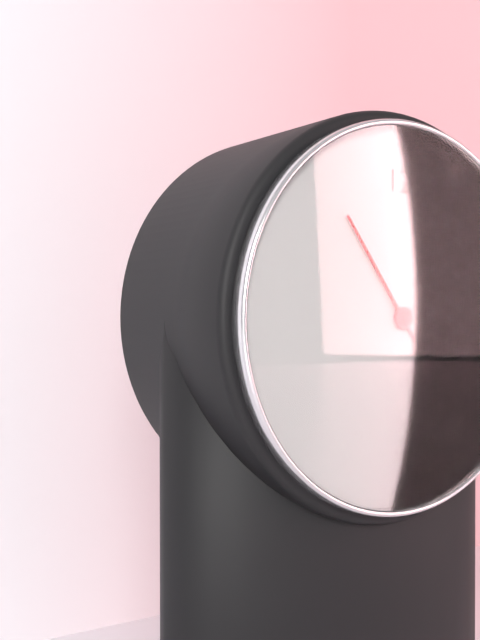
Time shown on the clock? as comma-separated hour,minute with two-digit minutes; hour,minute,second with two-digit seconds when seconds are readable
2,10,54
